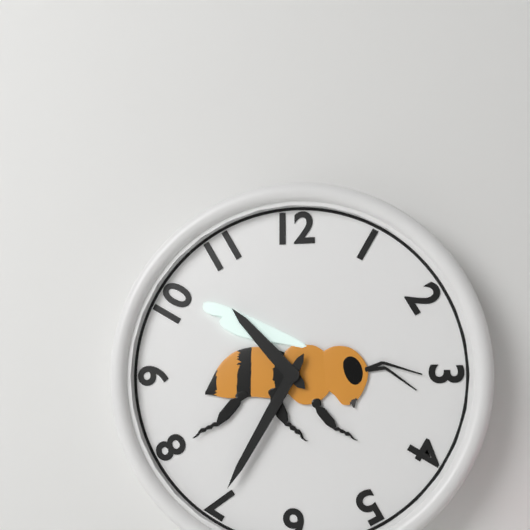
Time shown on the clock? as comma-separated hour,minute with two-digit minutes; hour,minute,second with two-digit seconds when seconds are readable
10,35
